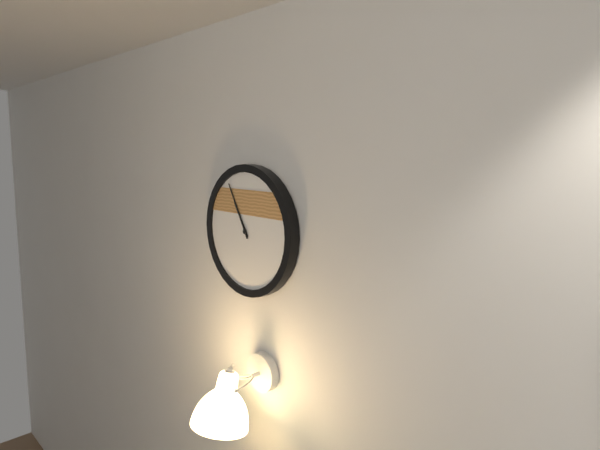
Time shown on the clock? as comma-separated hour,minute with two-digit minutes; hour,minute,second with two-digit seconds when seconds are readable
10,55
